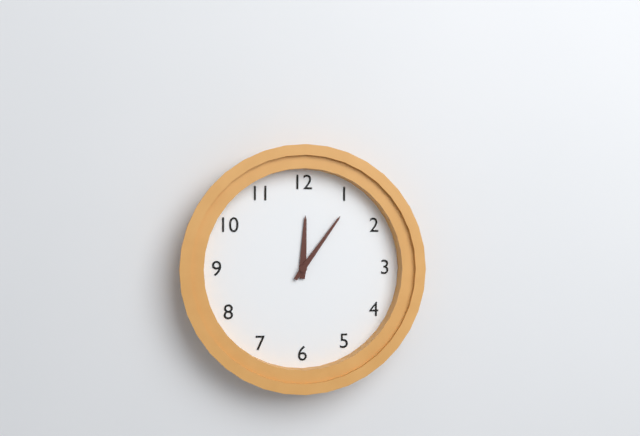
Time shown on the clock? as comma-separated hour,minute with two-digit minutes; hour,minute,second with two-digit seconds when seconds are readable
12,06
